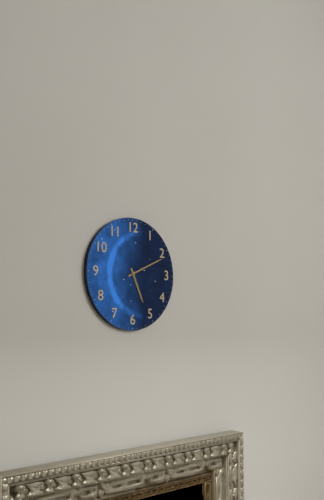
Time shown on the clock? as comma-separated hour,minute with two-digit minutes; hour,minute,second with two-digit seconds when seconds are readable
5,11
